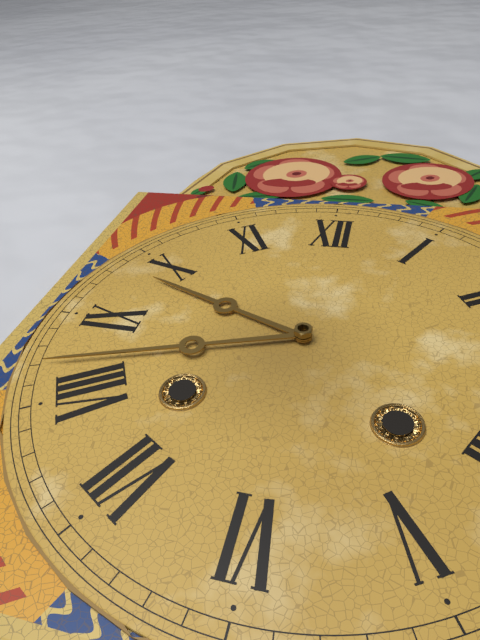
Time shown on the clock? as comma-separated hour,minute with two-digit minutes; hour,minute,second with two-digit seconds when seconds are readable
9,42
